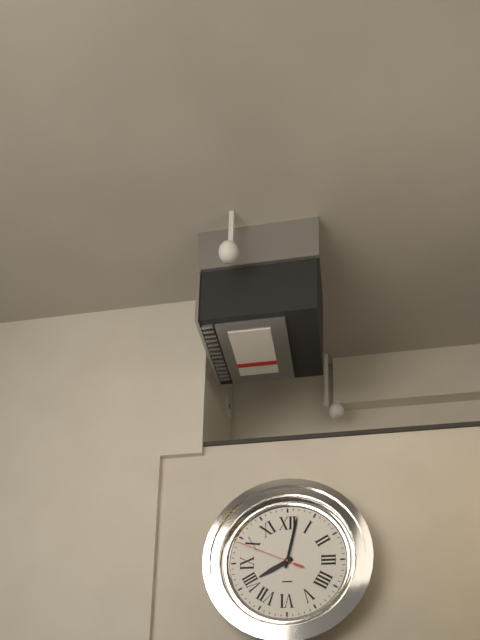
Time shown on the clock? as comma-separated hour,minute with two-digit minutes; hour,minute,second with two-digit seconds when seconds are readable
8,02,49
